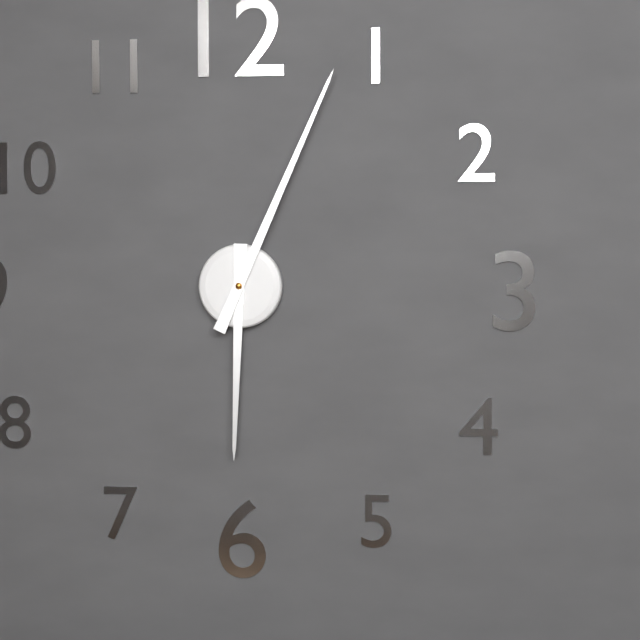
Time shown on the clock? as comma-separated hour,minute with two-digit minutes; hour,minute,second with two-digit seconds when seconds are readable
6,04
